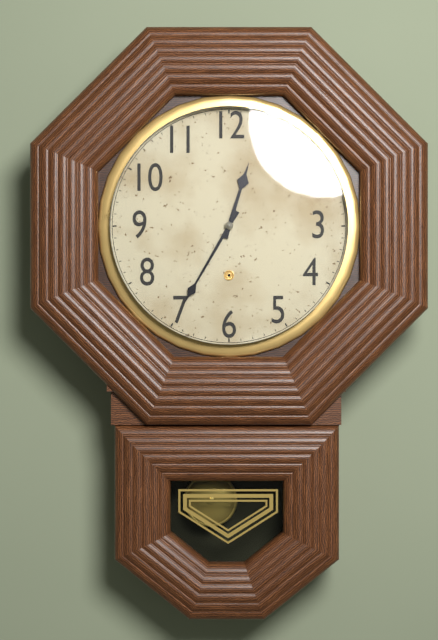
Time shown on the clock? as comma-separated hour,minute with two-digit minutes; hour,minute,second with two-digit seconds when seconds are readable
12,35
